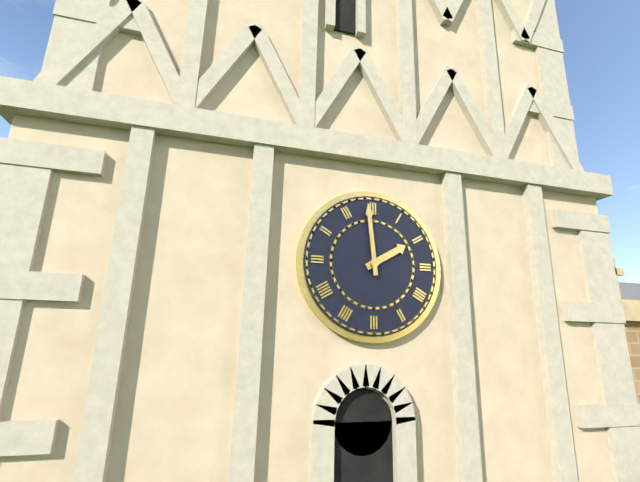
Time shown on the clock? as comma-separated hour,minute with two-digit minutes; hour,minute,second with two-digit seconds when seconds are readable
1,59
